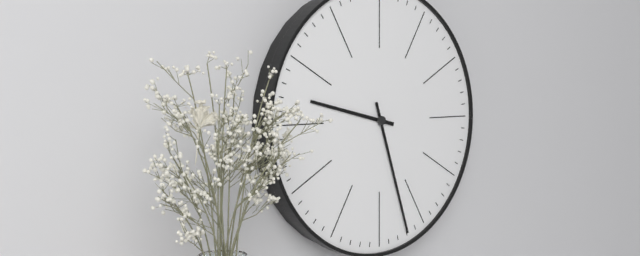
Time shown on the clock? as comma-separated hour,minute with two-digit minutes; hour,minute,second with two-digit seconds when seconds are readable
9,27
